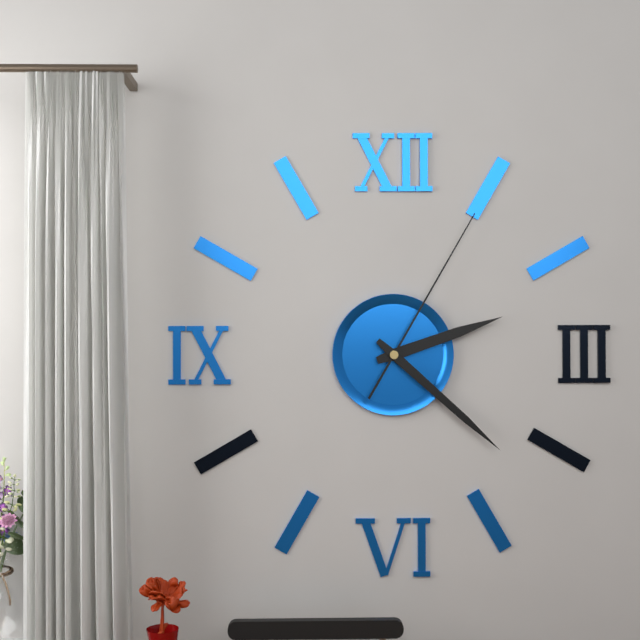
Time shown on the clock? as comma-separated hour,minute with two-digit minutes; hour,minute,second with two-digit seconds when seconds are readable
2,22,05
